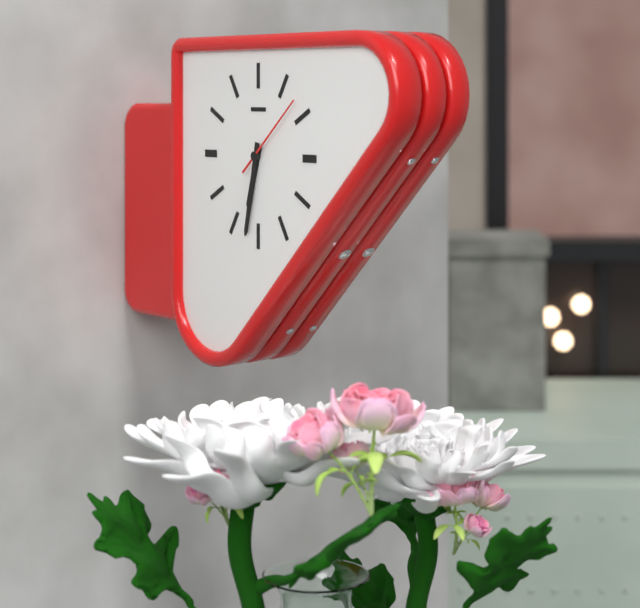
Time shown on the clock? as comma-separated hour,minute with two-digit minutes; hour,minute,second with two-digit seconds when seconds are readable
6,32,08
